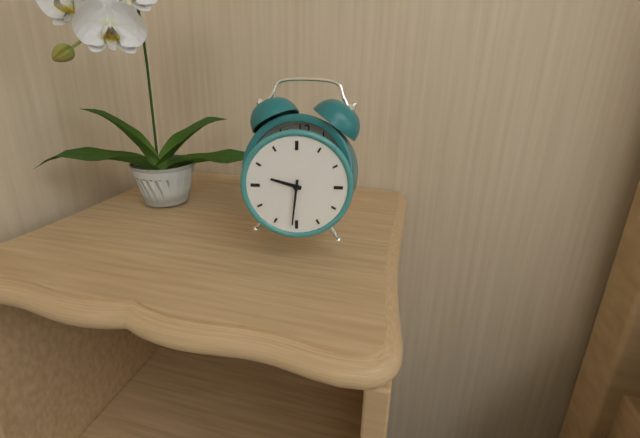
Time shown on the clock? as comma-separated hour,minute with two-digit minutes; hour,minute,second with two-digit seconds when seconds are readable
9,31
